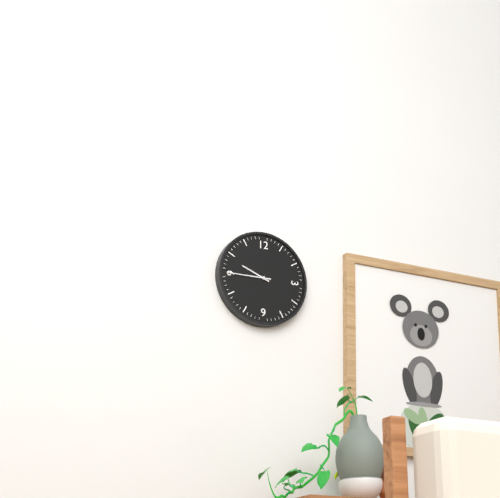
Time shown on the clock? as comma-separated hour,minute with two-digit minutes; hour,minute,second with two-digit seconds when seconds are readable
9,45
